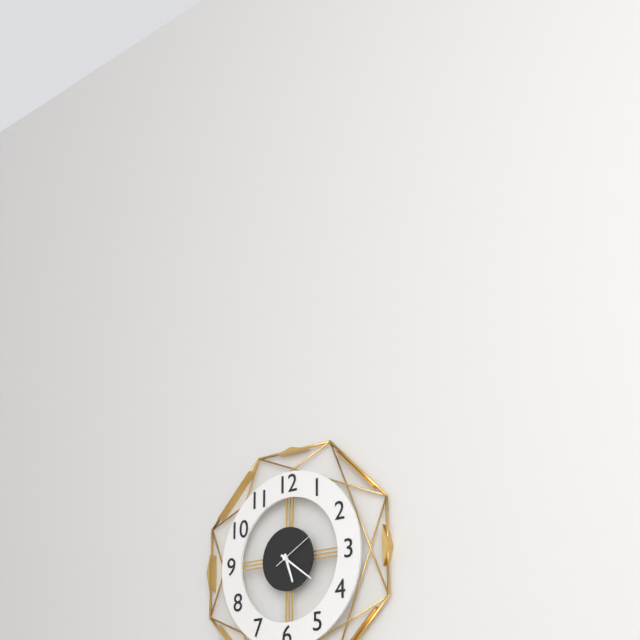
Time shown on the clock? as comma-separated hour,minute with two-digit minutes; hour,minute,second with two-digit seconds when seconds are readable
5,21
